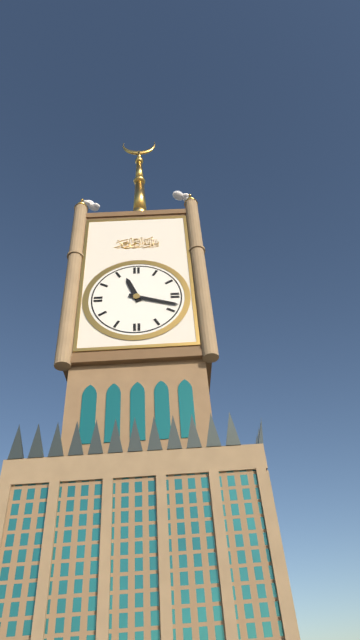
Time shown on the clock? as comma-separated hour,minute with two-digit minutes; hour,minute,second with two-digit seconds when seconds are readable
11,18
